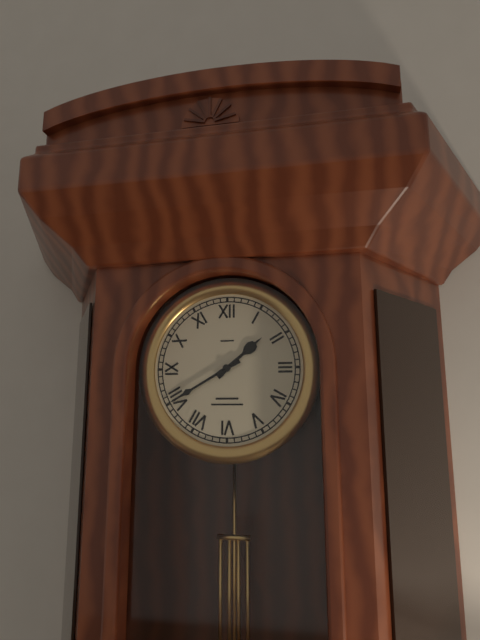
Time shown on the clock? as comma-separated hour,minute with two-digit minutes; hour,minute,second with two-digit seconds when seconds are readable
1,40
